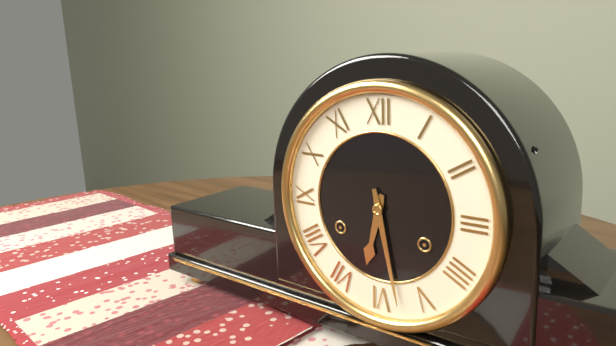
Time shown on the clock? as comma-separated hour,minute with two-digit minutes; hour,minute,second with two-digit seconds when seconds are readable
6,28
